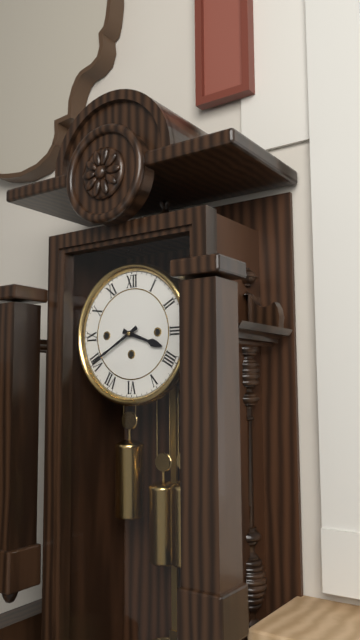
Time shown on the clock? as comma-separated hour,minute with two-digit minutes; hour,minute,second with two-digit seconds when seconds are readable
3,40
